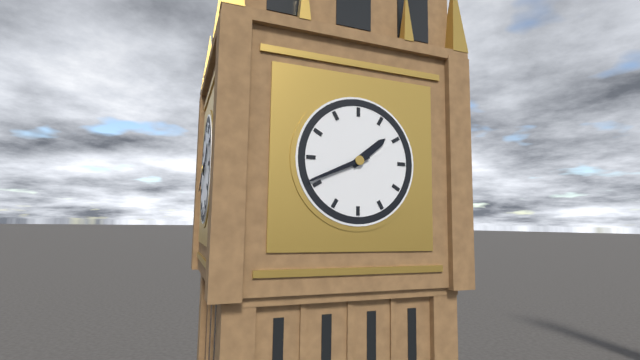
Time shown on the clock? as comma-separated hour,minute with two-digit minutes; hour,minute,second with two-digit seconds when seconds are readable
1,41
